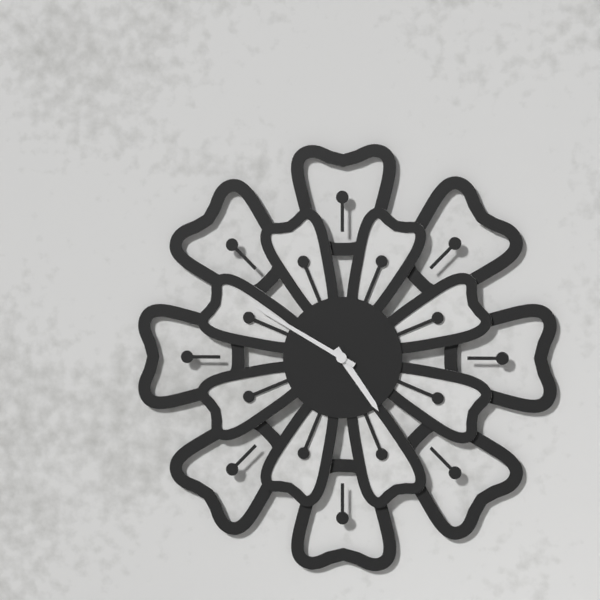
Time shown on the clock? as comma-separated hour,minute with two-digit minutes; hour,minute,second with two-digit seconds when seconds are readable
4,50
